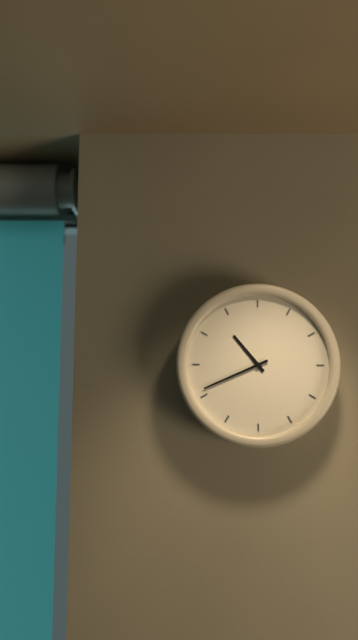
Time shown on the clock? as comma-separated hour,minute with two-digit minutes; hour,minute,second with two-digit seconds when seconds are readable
10,41
